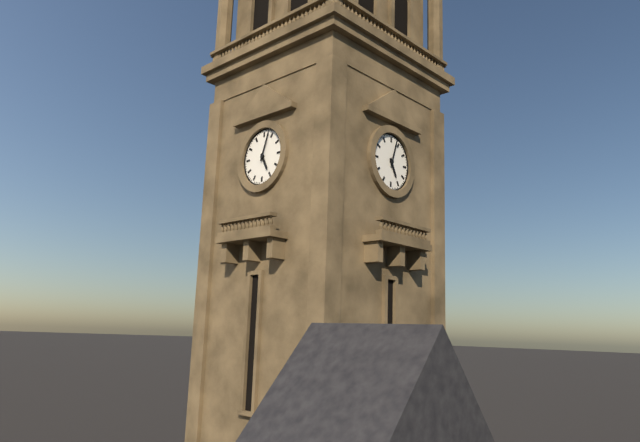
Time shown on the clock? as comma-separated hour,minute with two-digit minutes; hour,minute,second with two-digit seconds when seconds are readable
5,03
